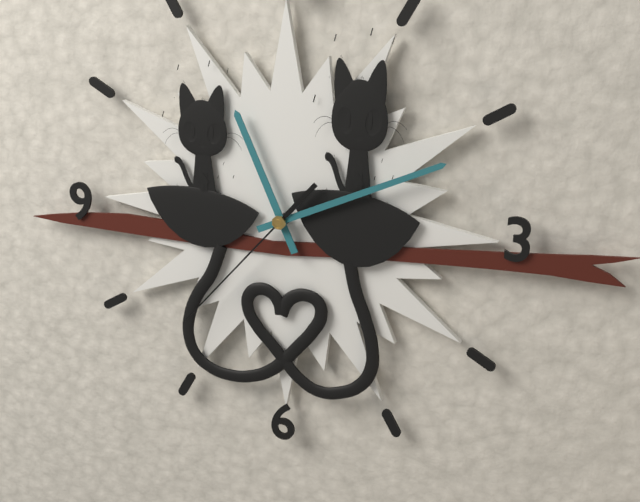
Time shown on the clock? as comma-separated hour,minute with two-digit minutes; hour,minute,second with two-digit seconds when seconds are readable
11,11,37
